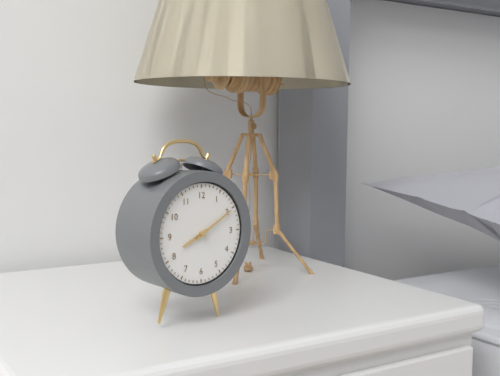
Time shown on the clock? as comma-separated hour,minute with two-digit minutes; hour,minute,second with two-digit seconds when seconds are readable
8,10
